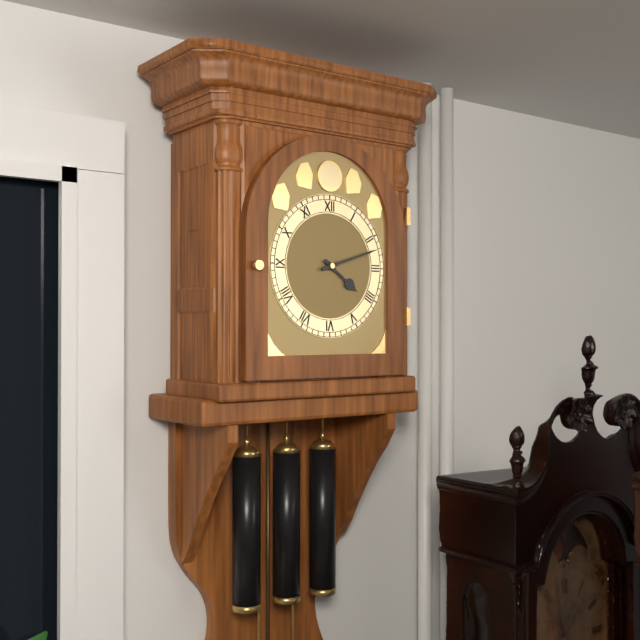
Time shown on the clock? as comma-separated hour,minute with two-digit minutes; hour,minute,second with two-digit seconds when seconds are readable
4,12
